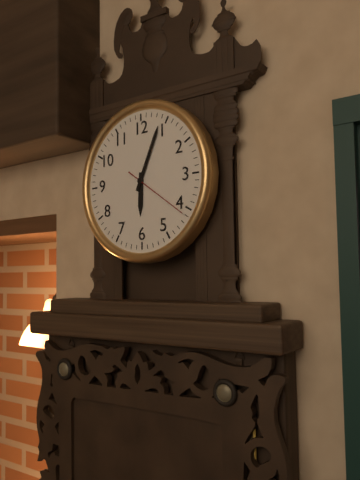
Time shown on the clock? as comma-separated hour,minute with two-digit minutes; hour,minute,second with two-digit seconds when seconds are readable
6,04,21
